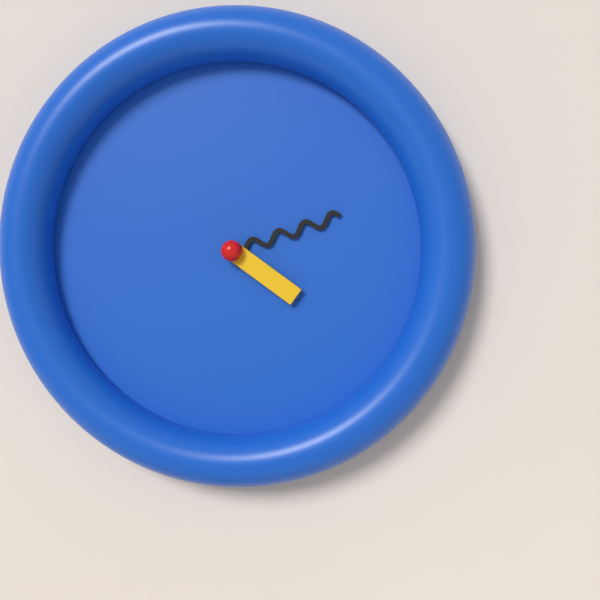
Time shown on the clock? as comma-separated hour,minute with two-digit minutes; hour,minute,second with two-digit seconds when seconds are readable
4,12
